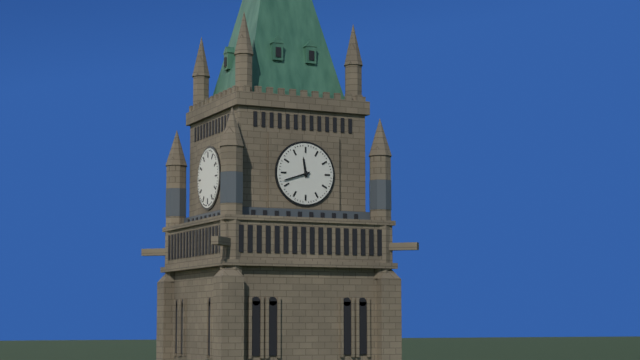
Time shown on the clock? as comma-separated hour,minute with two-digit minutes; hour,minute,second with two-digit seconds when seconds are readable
11,42
